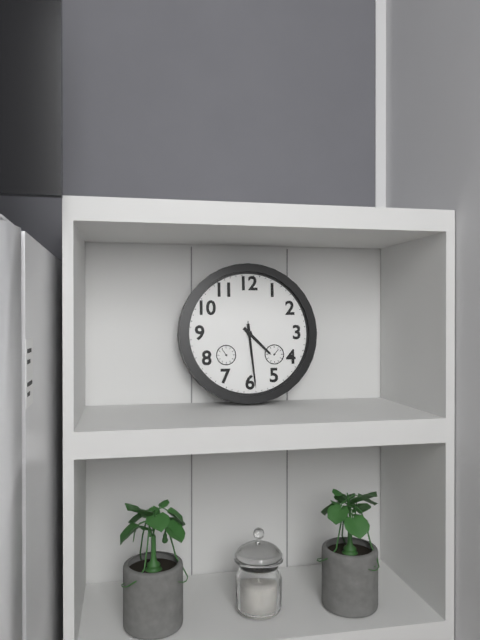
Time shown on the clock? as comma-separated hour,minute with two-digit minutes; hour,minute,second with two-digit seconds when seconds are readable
4,29,29
